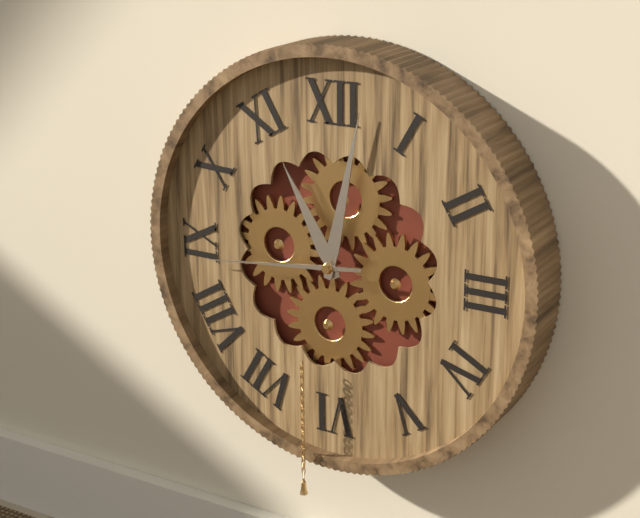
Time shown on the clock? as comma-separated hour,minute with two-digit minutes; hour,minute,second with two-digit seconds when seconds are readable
11,02,44
